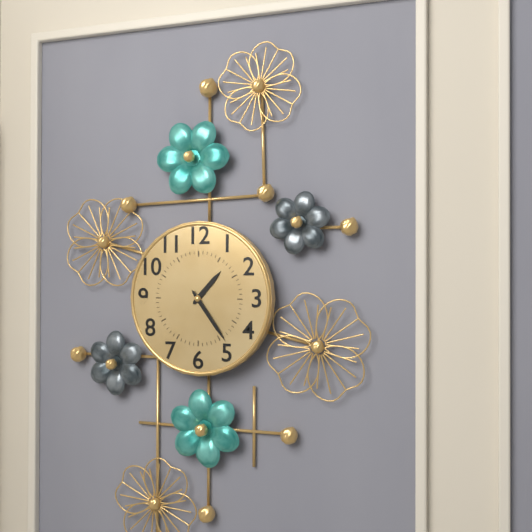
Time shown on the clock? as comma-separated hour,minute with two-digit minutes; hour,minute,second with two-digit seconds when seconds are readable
1,24
